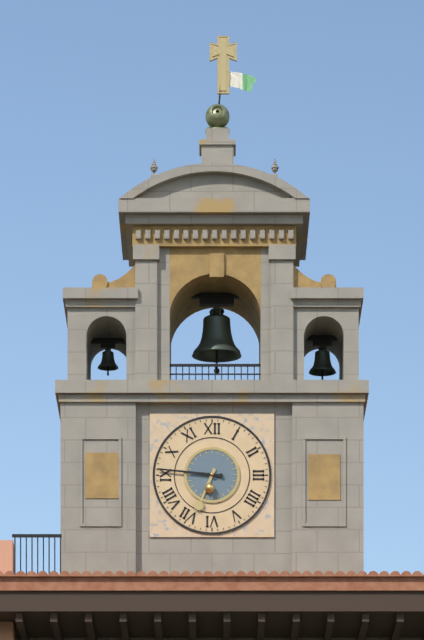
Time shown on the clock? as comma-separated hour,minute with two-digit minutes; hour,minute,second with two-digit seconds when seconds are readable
6,46
